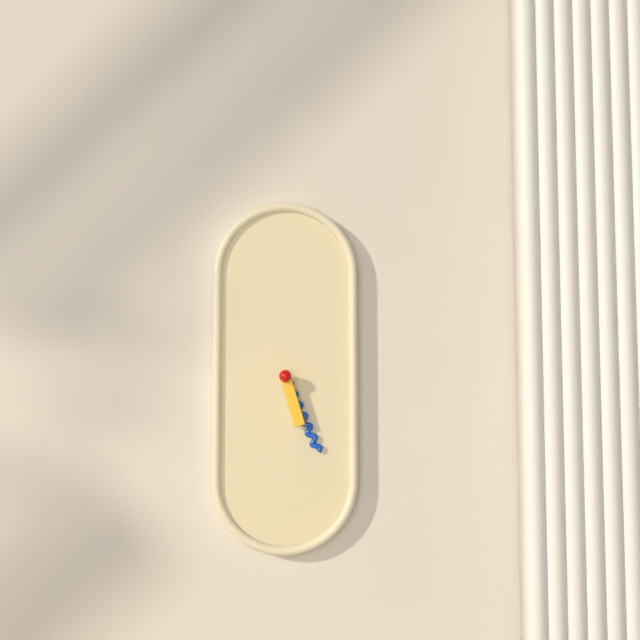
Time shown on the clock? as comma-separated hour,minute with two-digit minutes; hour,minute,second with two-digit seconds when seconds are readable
5,26
